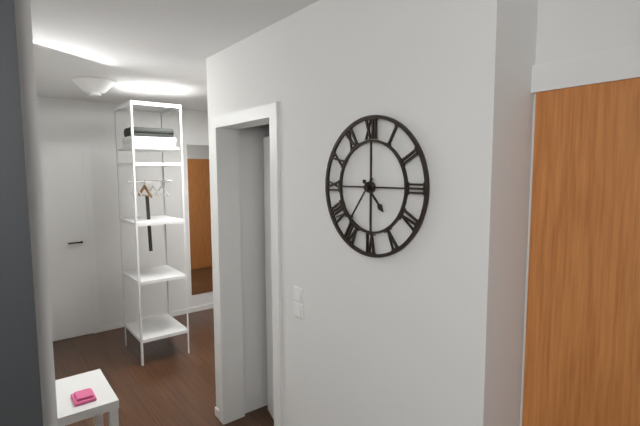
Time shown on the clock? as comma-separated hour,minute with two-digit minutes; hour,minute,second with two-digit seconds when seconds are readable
4,36
